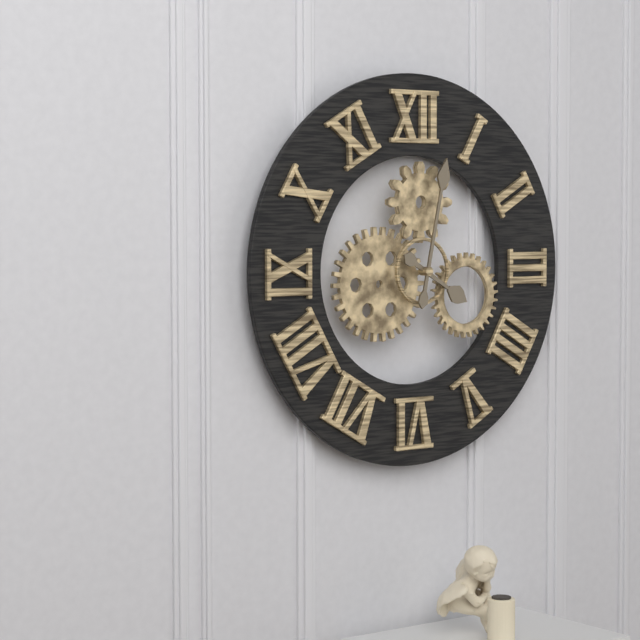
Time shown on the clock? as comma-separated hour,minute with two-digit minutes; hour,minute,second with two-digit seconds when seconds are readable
4,02
